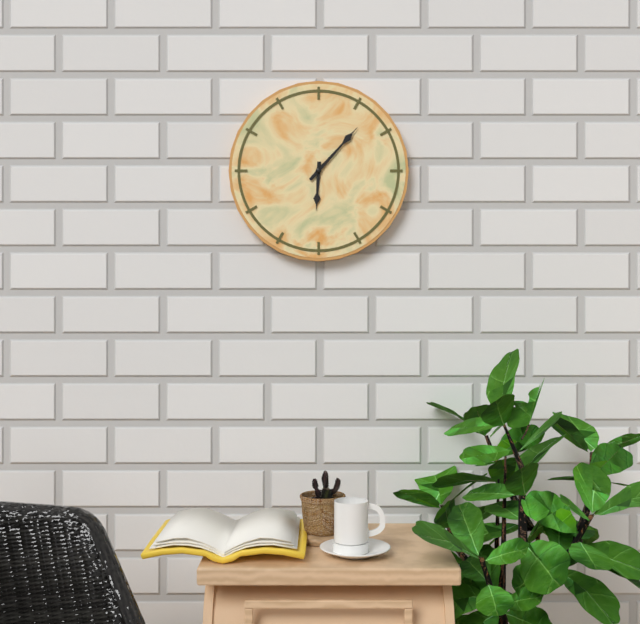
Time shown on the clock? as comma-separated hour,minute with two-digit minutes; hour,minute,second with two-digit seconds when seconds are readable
6,07
